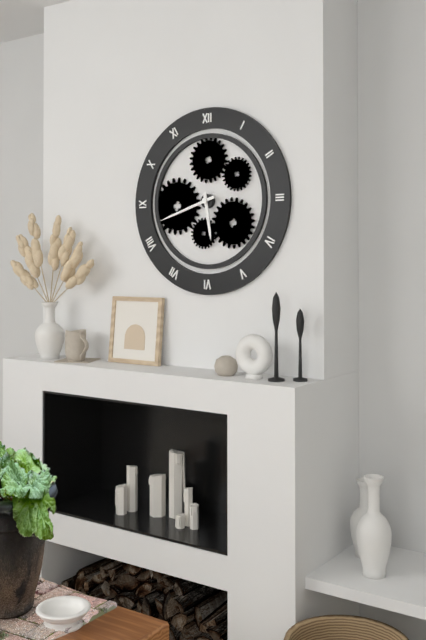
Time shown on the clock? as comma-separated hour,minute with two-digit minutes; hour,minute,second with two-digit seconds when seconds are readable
5,42
